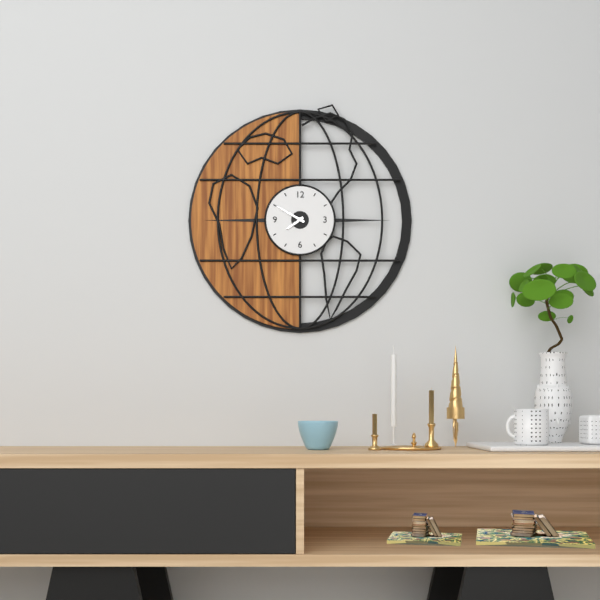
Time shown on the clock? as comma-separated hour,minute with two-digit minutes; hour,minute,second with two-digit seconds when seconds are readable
7,50
